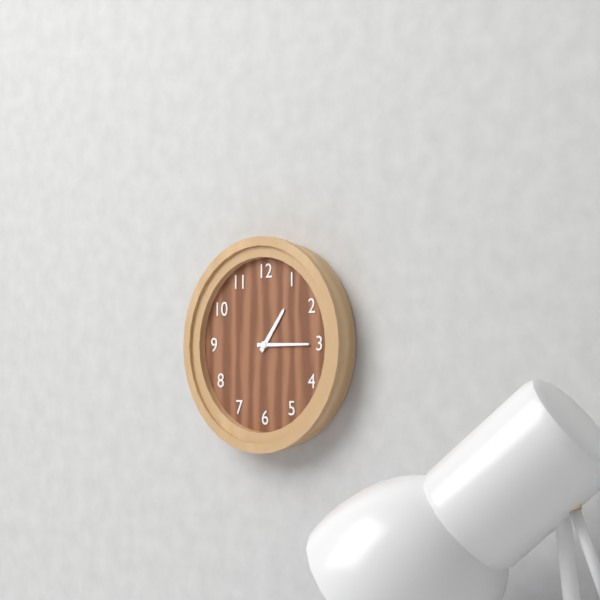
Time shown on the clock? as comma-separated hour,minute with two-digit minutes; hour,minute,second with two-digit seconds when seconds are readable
1,15
